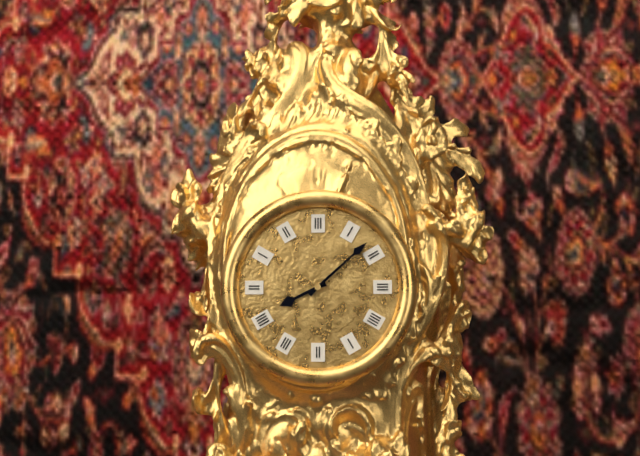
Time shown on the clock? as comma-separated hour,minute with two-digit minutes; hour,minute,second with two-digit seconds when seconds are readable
8,08
